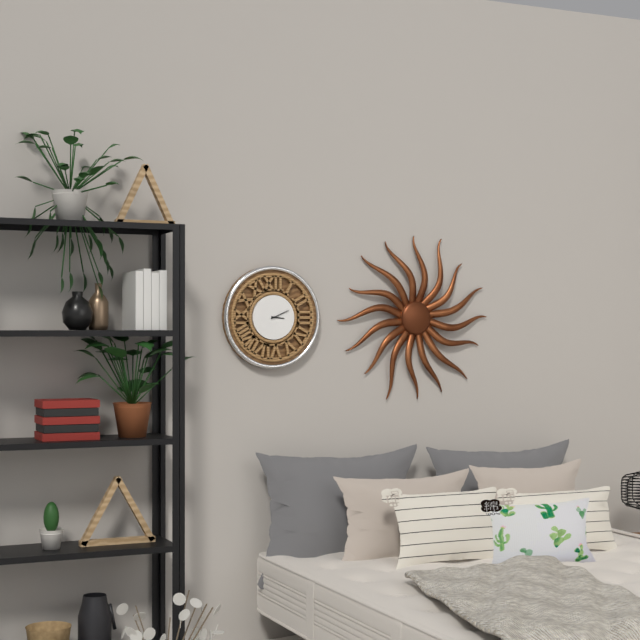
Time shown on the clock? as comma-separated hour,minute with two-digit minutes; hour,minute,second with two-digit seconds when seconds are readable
3,11
